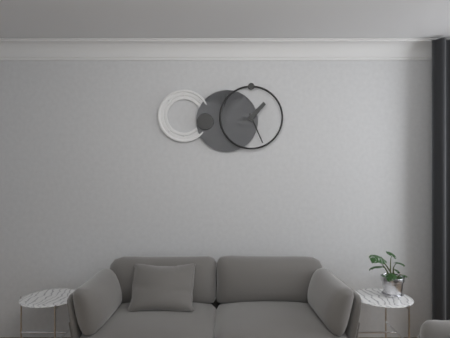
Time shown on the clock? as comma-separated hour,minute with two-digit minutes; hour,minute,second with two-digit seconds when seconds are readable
1,26
